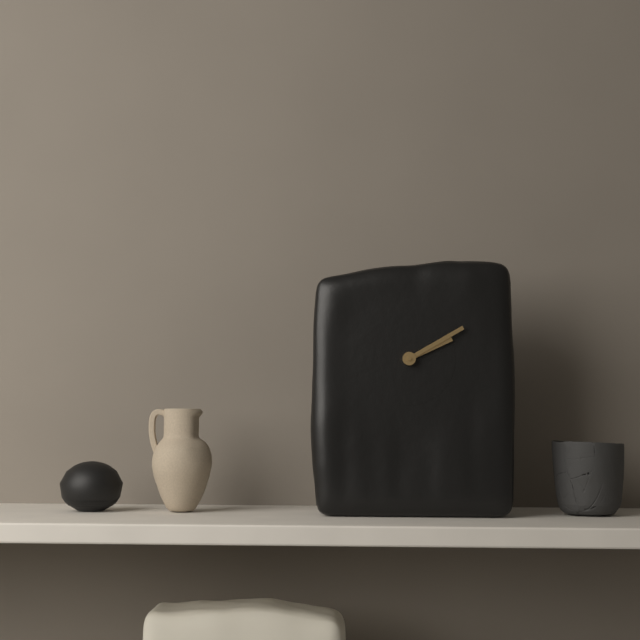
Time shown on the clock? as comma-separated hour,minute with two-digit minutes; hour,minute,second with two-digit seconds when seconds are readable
2,10
